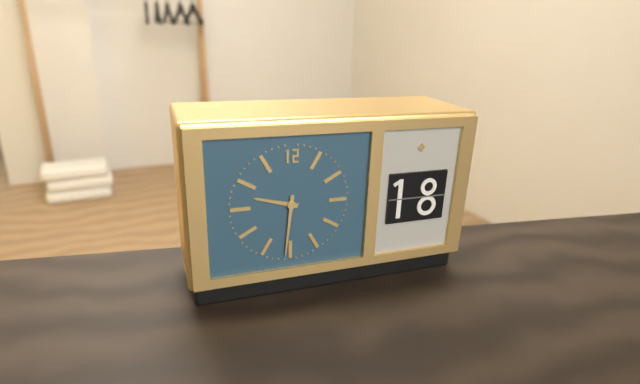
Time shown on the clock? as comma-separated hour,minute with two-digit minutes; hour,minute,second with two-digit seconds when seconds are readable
9,31
